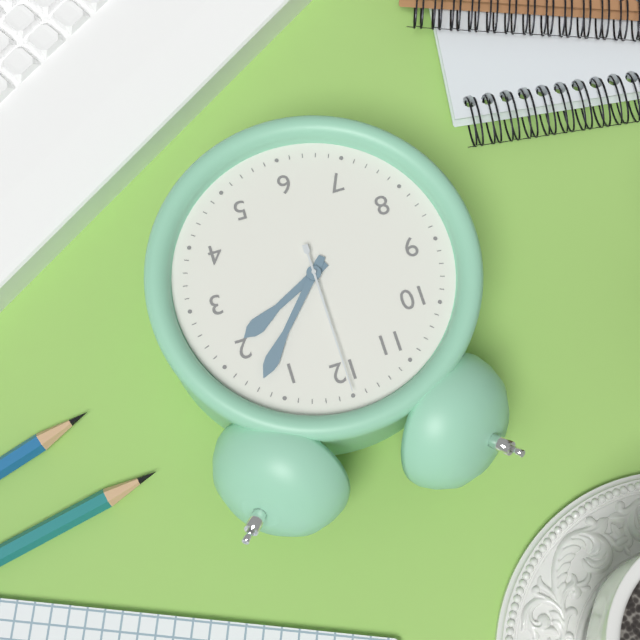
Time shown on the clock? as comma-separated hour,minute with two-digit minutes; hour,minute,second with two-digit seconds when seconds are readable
2,07,00
